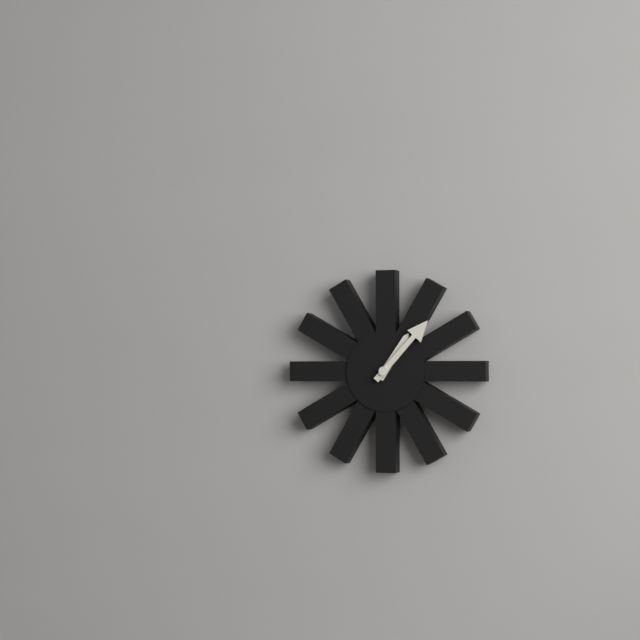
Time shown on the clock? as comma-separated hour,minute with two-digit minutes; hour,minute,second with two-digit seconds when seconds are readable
1,07
